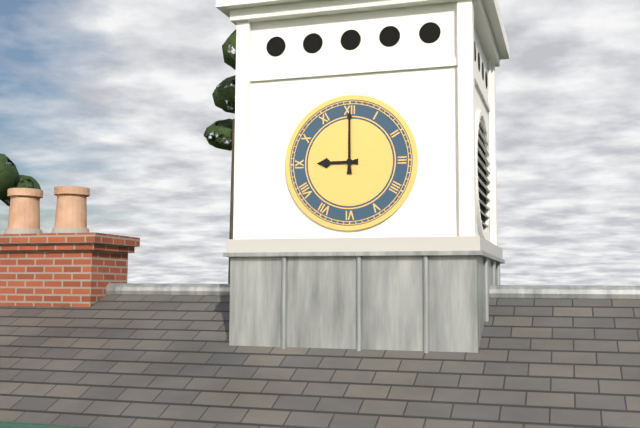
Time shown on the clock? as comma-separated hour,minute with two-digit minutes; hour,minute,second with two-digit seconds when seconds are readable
9,00
